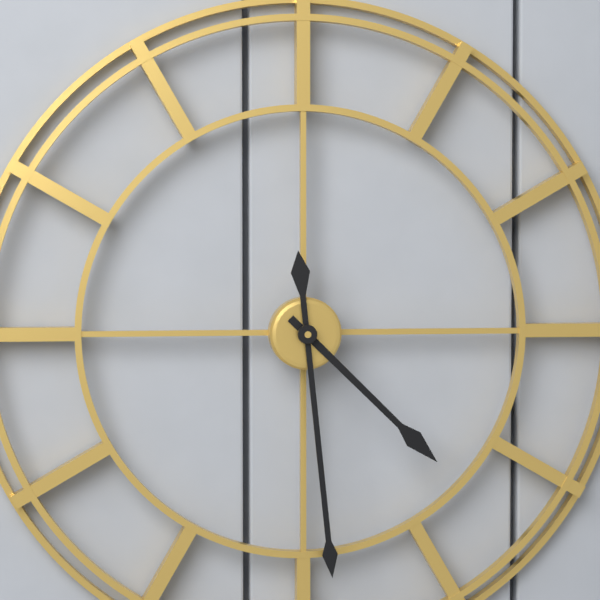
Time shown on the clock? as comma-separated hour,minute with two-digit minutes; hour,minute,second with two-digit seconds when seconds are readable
4,29
